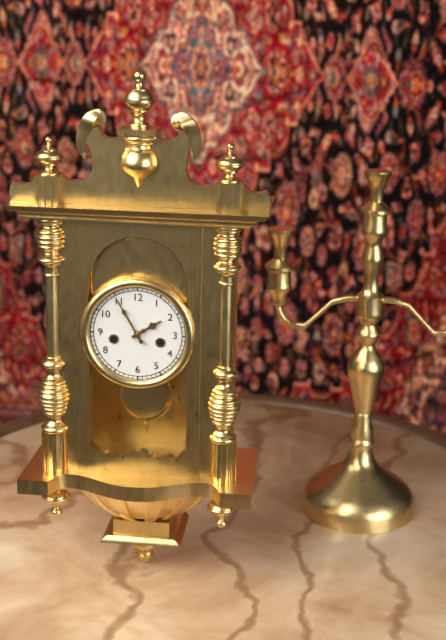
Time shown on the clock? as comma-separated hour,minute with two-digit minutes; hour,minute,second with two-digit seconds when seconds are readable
1,55
